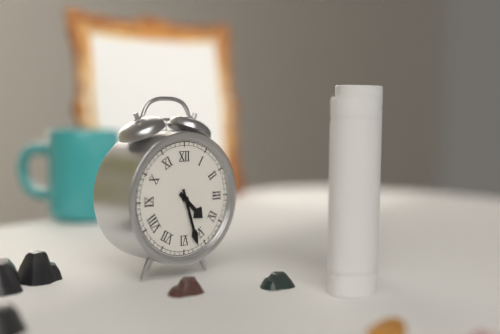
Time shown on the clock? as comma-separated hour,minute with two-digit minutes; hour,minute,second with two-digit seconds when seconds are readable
4,27
